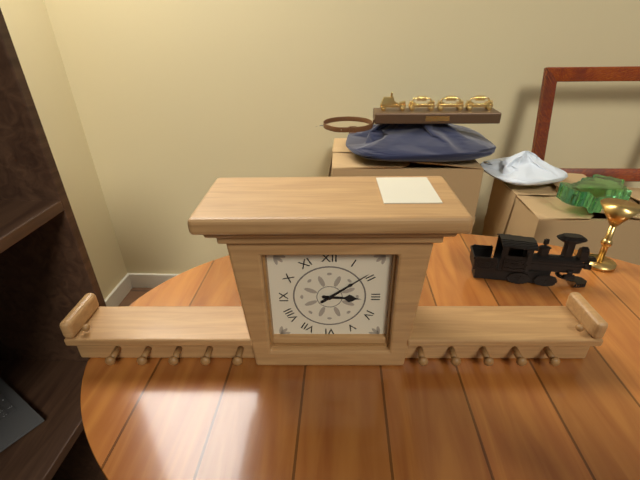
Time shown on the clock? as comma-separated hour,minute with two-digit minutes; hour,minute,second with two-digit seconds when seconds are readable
3,09
